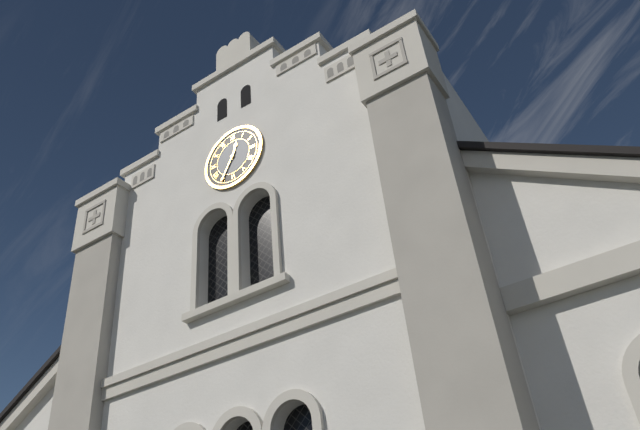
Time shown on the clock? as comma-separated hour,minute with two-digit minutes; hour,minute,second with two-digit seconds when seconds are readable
12,35
